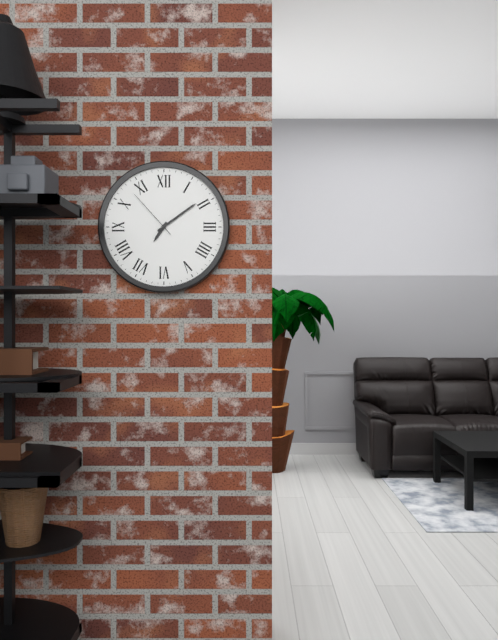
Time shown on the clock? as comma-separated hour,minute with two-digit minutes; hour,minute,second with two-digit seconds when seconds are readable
7,09,53
